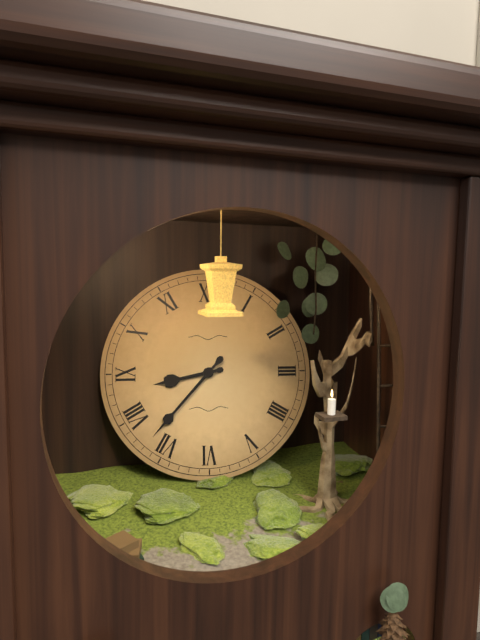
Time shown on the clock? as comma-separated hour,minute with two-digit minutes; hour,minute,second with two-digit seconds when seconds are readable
8,37
